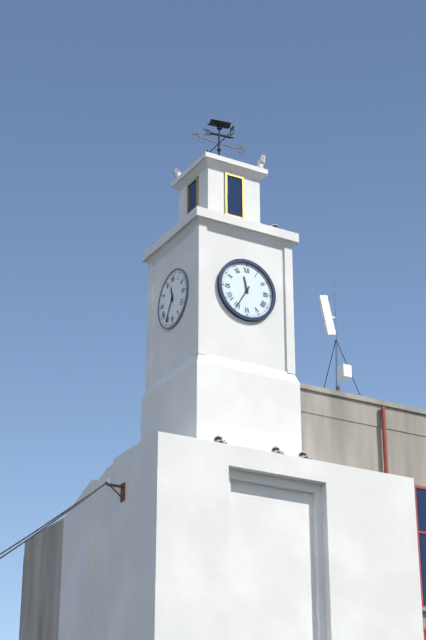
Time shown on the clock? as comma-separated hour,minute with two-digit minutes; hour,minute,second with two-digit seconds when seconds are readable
11,35
